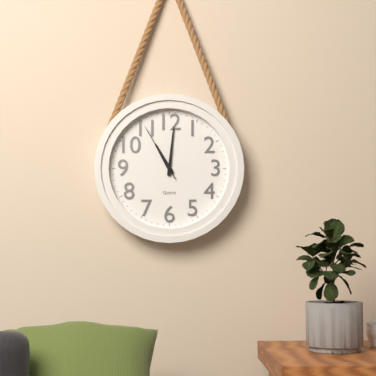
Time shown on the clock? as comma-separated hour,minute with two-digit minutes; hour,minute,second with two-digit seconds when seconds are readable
11,01,55
